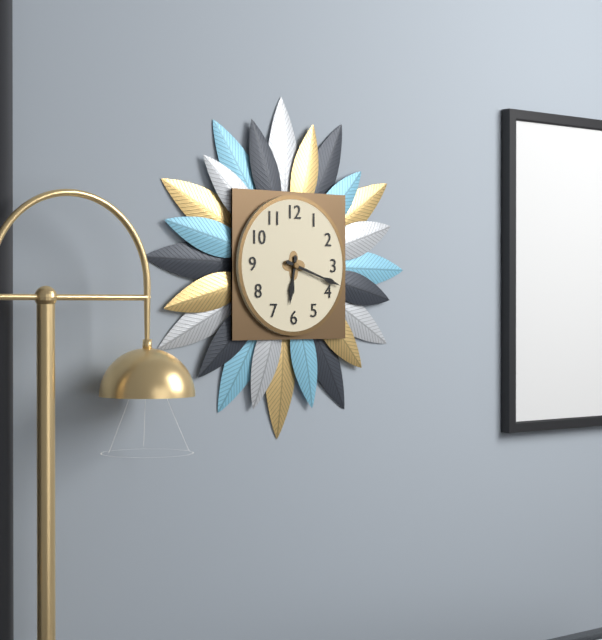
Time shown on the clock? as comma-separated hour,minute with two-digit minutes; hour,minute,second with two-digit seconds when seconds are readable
6,18
